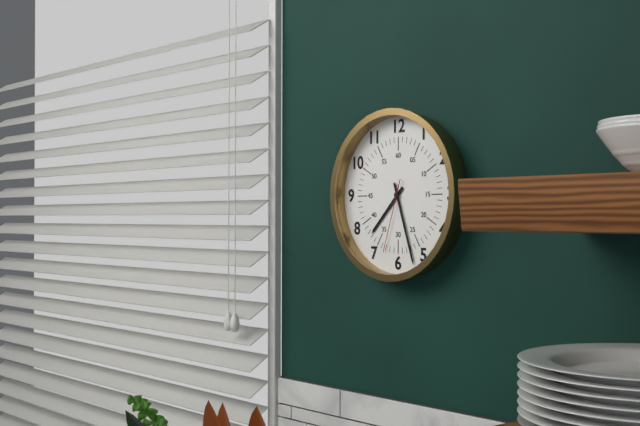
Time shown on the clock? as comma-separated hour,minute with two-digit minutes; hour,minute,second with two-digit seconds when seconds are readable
7,27,33
